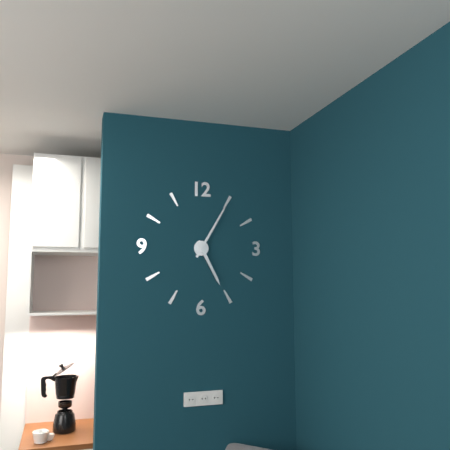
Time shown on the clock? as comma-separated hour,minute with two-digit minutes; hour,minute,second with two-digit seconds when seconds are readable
5,05
